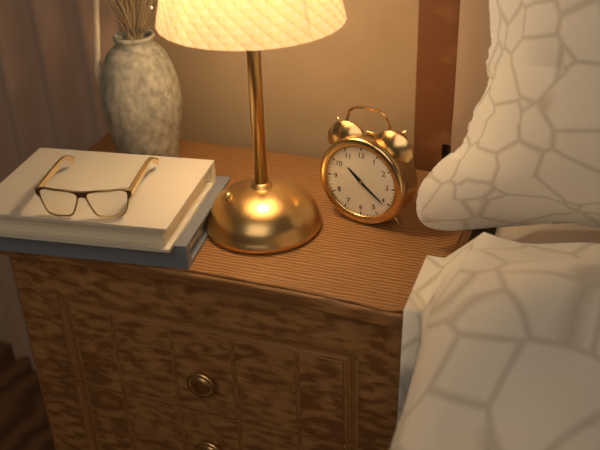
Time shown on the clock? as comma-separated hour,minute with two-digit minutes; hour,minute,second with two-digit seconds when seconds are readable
10,21
